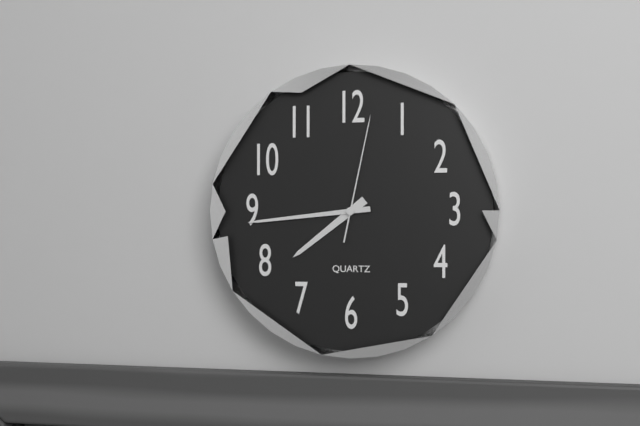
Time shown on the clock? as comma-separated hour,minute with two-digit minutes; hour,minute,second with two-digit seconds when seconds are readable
7,44,02
